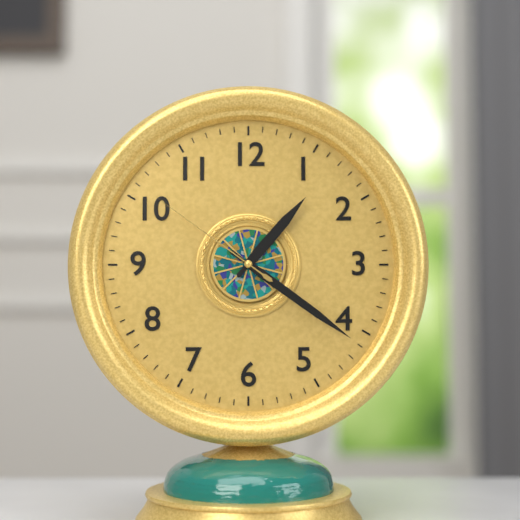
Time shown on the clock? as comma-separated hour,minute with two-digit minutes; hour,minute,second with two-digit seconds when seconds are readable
1,21,51
